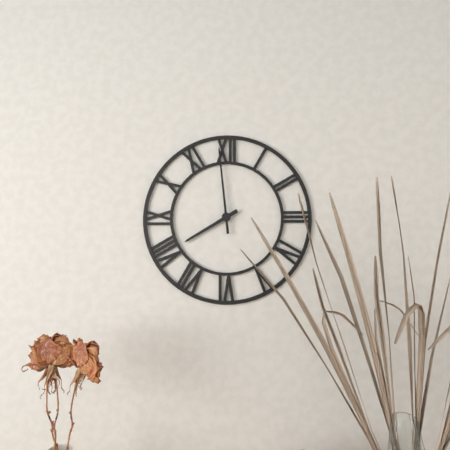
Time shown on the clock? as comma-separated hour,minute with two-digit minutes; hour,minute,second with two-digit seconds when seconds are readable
7,59
